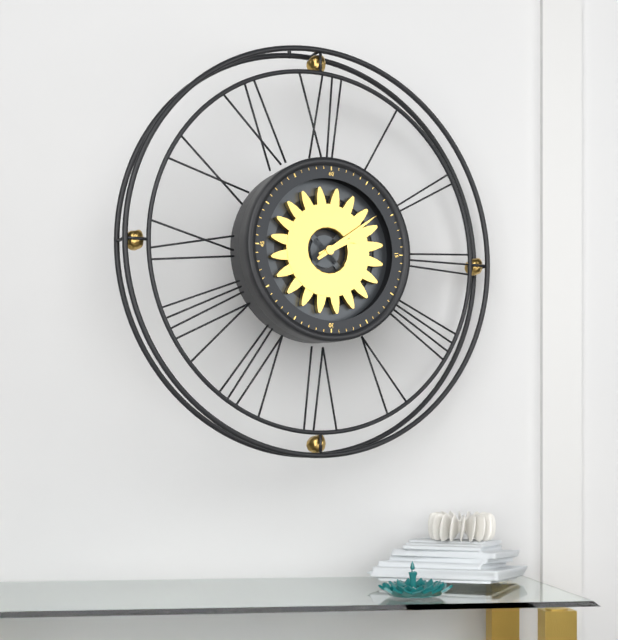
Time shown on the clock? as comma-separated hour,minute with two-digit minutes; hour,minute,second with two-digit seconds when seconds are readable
2,09
